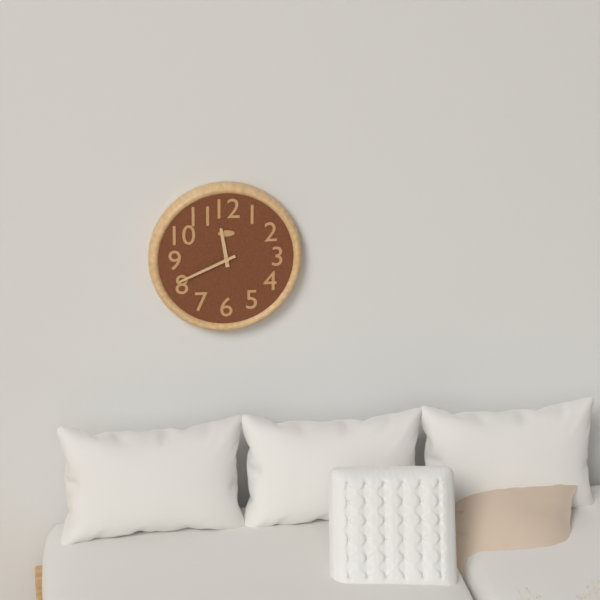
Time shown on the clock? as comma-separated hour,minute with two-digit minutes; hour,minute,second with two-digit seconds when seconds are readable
11,41
